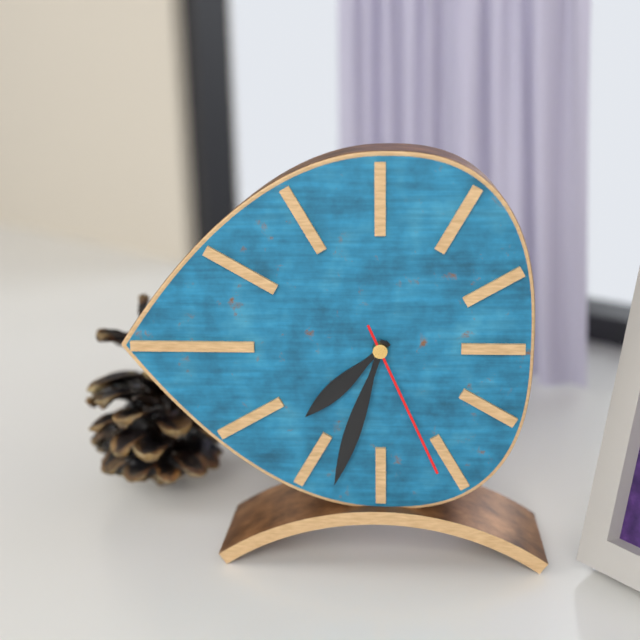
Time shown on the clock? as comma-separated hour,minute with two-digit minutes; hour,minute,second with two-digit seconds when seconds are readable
7,33,26
